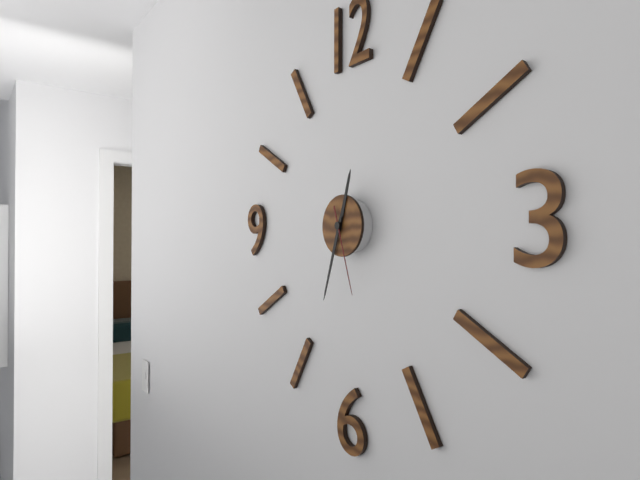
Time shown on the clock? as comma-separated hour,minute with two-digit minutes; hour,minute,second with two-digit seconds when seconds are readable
12,33,27
